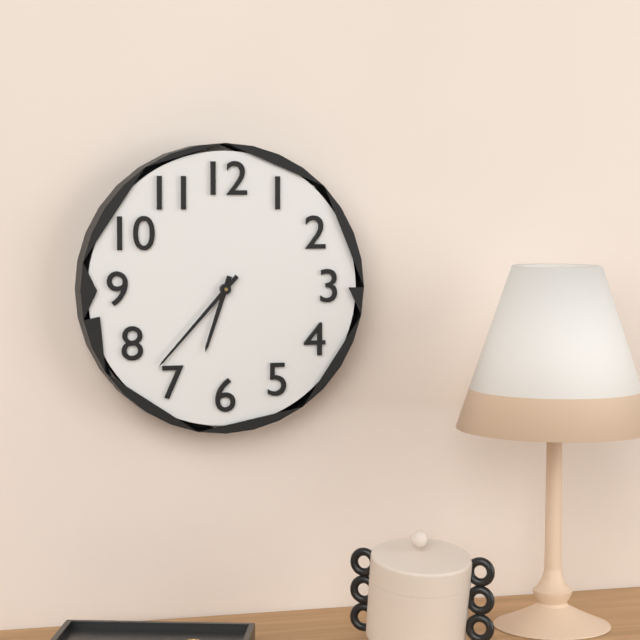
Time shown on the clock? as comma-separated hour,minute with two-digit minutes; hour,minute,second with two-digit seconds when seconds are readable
6,37
